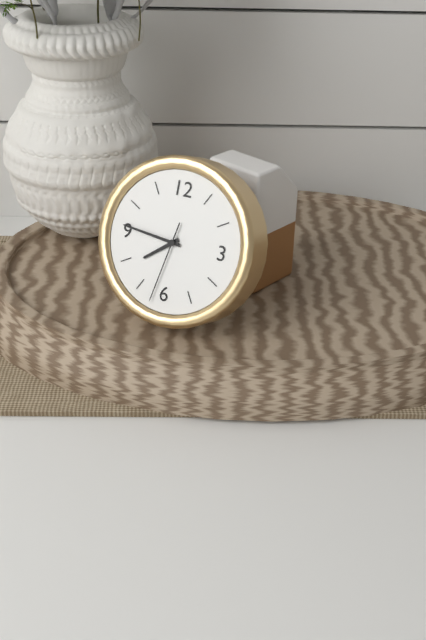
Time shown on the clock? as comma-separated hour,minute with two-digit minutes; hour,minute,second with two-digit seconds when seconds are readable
7,46,32
